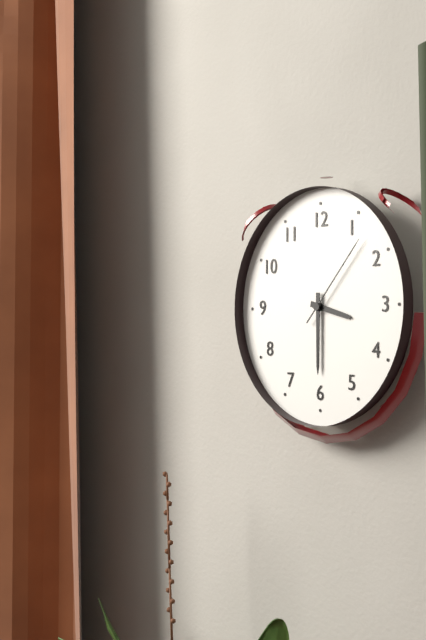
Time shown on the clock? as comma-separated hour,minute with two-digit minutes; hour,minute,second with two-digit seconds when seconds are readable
3,30,07
